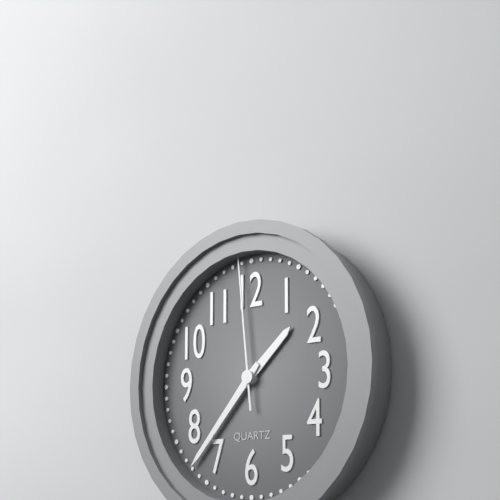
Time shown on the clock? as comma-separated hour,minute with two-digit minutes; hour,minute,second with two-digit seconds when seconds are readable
1,37,59
